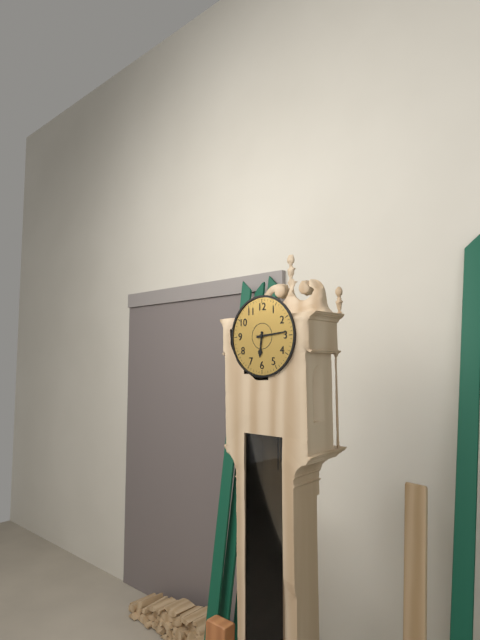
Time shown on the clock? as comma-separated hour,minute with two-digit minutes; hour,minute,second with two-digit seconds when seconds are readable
6,14
